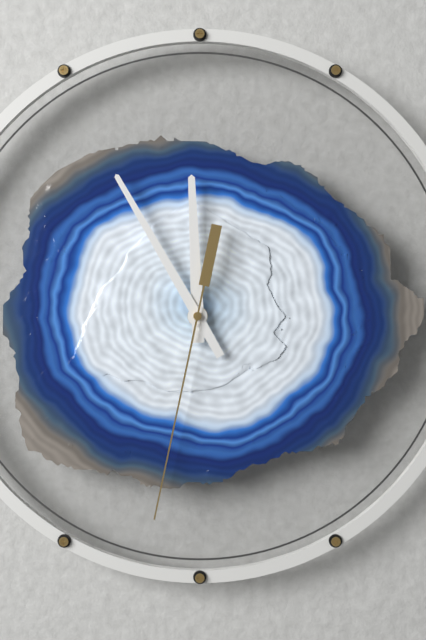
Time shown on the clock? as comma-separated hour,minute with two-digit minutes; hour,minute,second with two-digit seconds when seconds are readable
11,55,32
